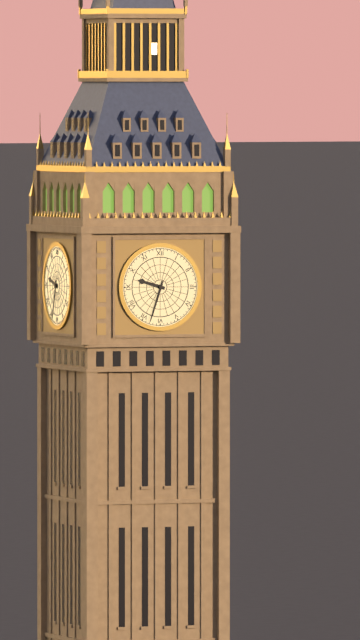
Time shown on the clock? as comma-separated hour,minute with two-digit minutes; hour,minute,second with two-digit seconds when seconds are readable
9,33
